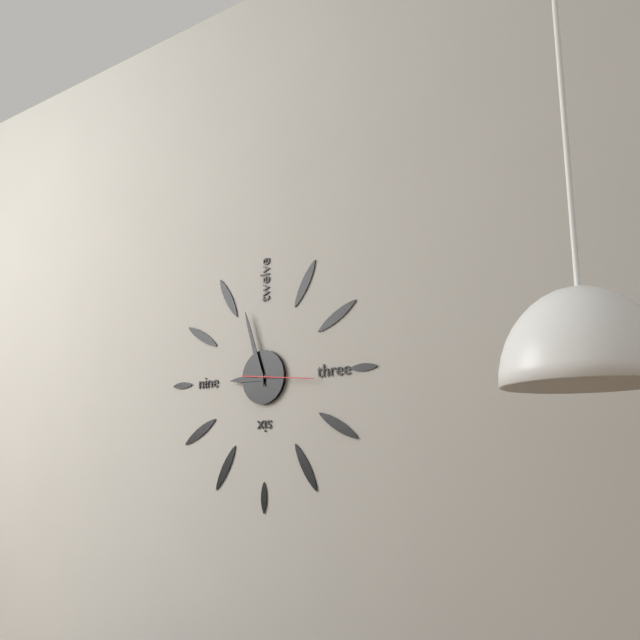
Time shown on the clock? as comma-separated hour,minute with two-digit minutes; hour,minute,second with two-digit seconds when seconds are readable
8,57,16
